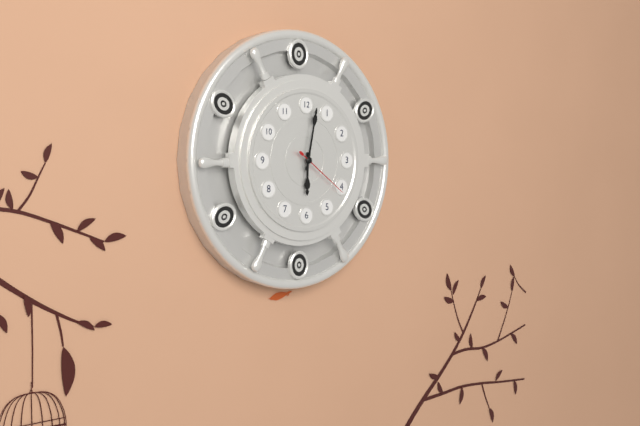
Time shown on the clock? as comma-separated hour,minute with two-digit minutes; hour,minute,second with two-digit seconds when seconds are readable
6,02,21
